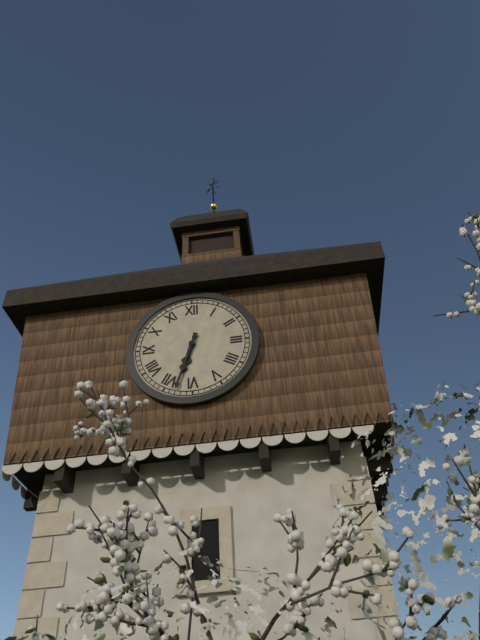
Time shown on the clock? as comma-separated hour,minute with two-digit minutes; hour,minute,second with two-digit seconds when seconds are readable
6,33
